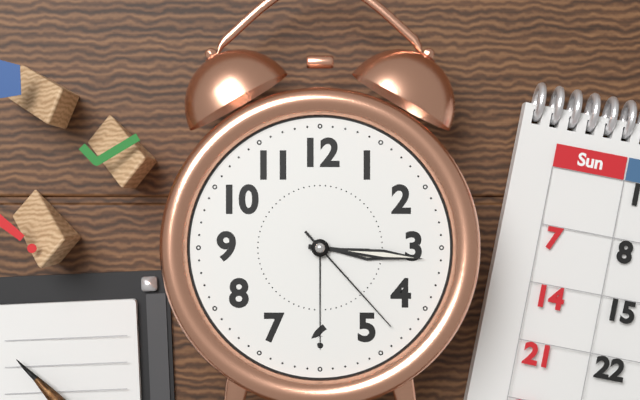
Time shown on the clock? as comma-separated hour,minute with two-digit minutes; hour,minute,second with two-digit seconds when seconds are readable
3,16,23
